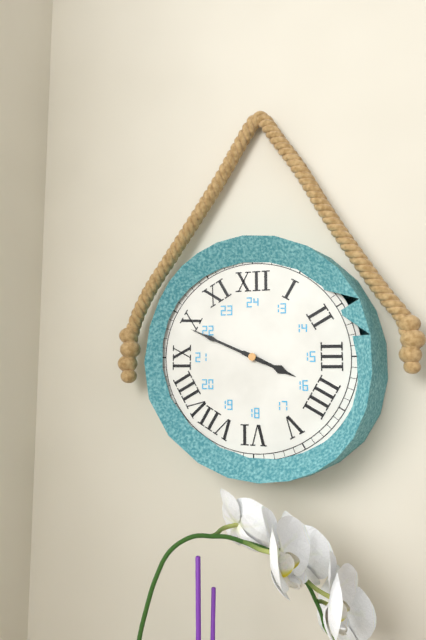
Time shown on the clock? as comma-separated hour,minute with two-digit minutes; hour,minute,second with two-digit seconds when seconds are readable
3,49
